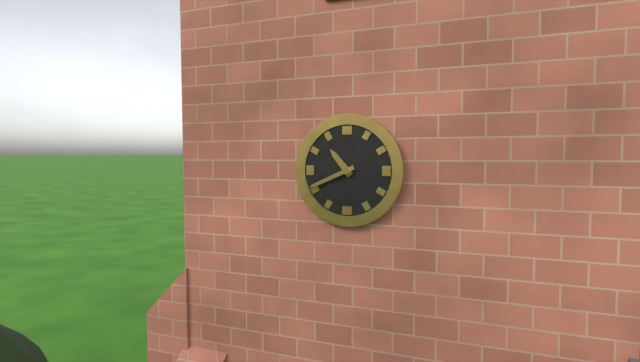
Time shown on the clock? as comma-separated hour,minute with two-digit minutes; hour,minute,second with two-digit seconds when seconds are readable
10,41
